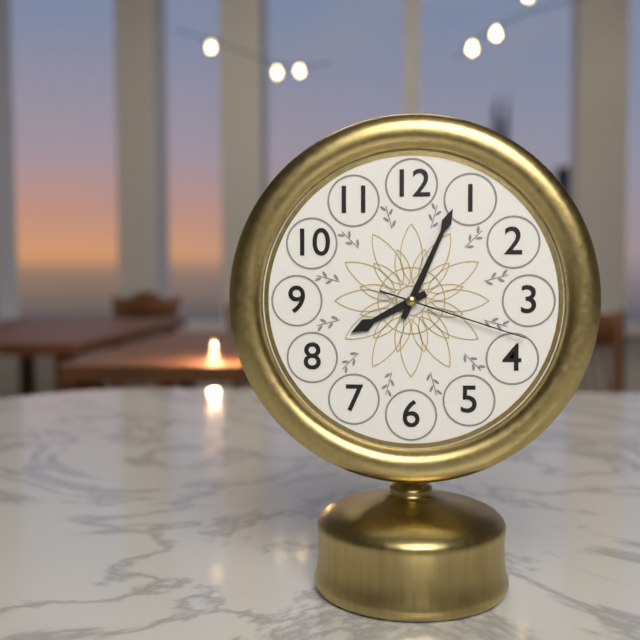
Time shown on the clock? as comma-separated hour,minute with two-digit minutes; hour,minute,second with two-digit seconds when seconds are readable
8,04,18
